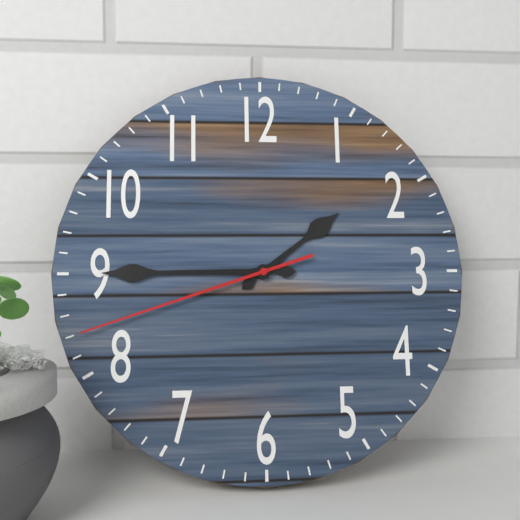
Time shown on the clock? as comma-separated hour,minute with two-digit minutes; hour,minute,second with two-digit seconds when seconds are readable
1,45,42
